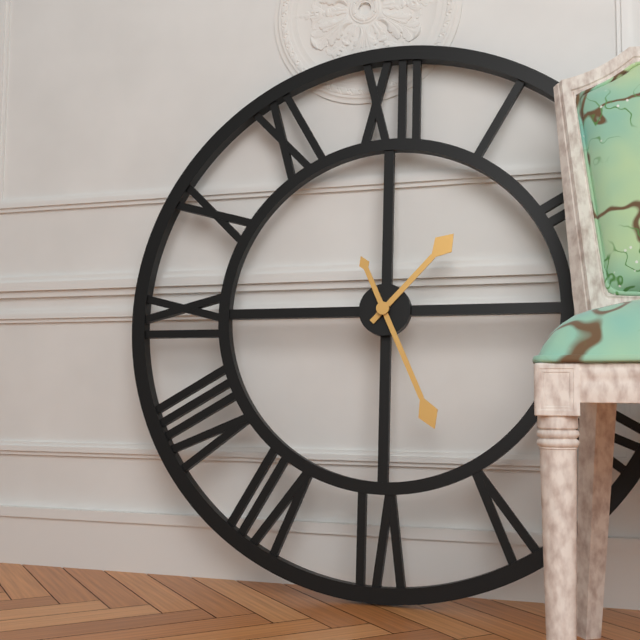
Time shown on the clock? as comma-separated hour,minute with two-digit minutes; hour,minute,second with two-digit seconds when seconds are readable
1,26
